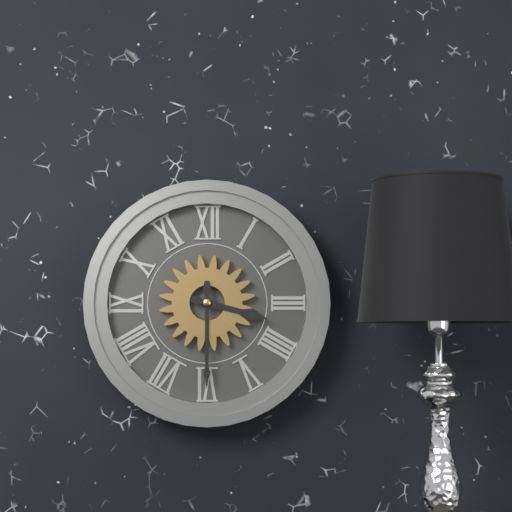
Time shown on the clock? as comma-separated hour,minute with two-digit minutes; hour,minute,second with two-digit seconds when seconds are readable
3,30
